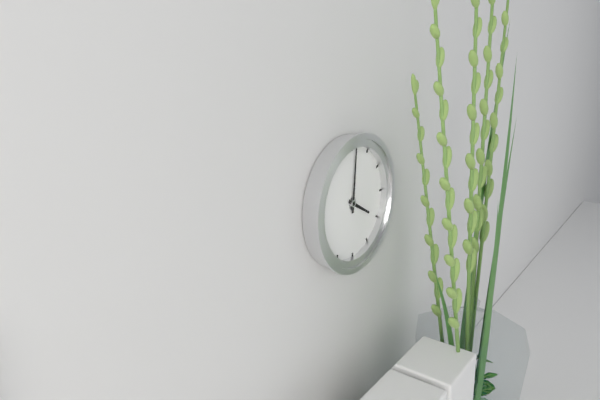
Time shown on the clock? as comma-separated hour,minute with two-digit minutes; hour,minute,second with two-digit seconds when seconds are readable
4,01
